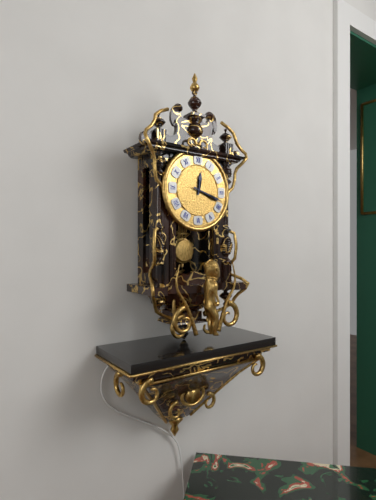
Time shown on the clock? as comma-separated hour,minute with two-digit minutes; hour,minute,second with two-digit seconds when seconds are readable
12,18
